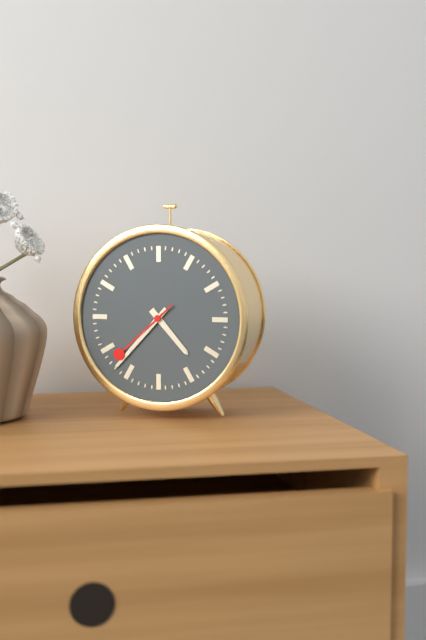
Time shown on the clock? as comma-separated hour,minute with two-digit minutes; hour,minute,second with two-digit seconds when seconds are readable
4,37,38
